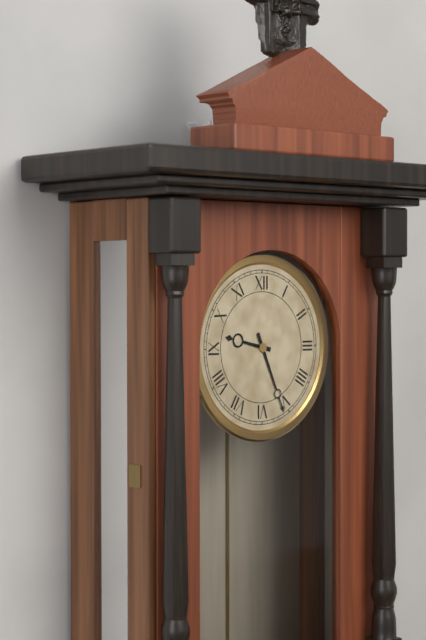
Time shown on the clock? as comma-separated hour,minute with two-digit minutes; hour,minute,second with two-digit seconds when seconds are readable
9,26
